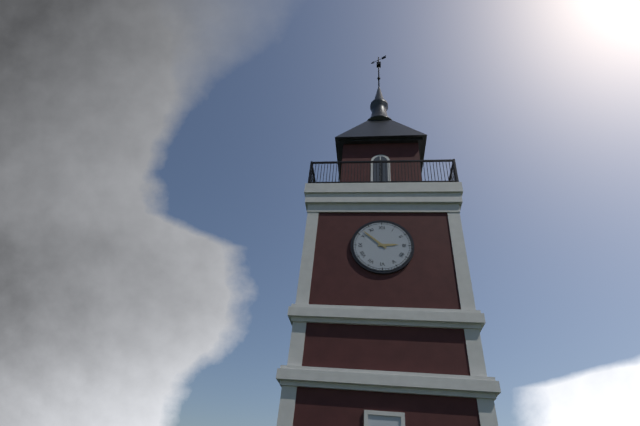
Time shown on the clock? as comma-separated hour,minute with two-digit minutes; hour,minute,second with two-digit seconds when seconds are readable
2,52
